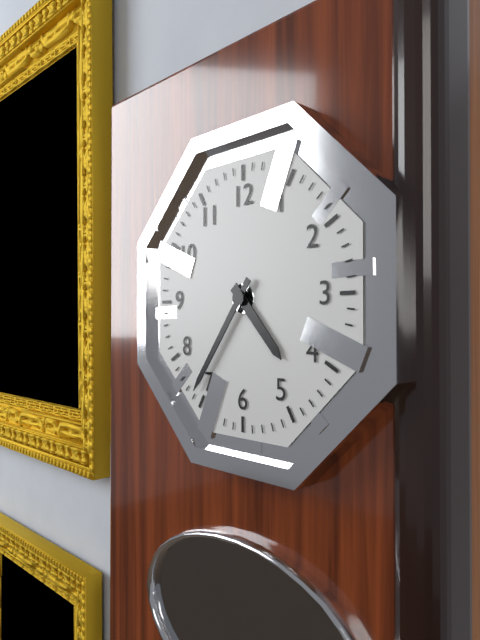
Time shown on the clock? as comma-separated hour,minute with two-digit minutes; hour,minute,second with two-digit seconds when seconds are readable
4,36
